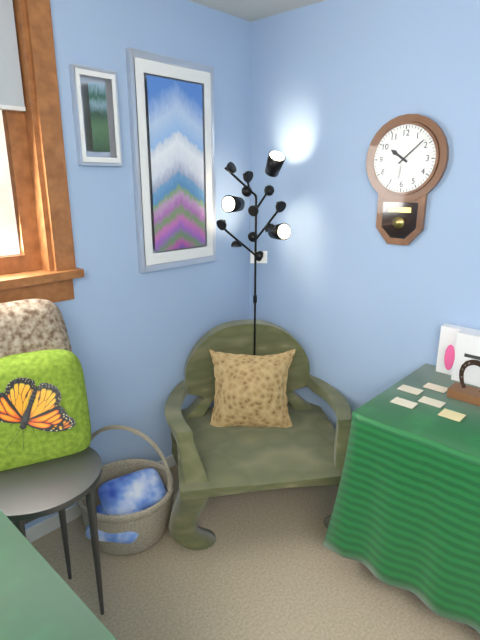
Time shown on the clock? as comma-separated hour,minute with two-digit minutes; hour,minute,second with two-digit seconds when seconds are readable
10,08
